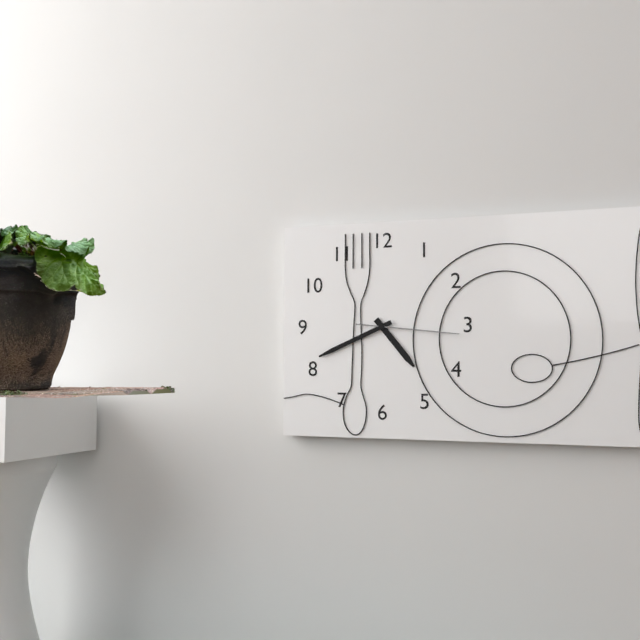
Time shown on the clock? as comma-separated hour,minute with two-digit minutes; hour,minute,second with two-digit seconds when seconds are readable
4,41,16
